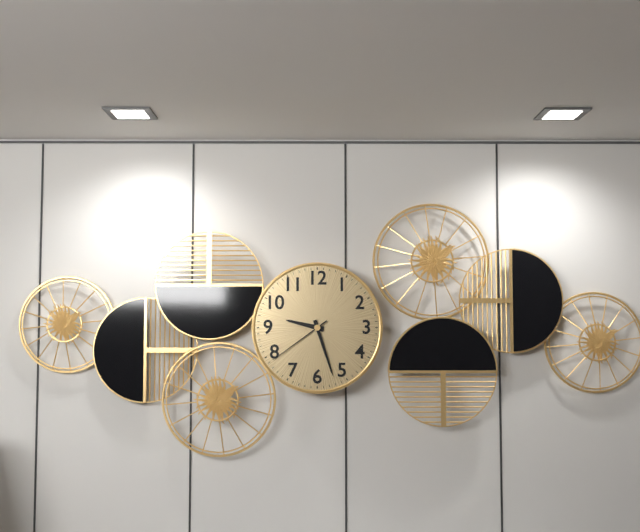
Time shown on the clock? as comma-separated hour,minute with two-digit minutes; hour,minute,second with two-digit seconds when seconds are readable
9,27,39
